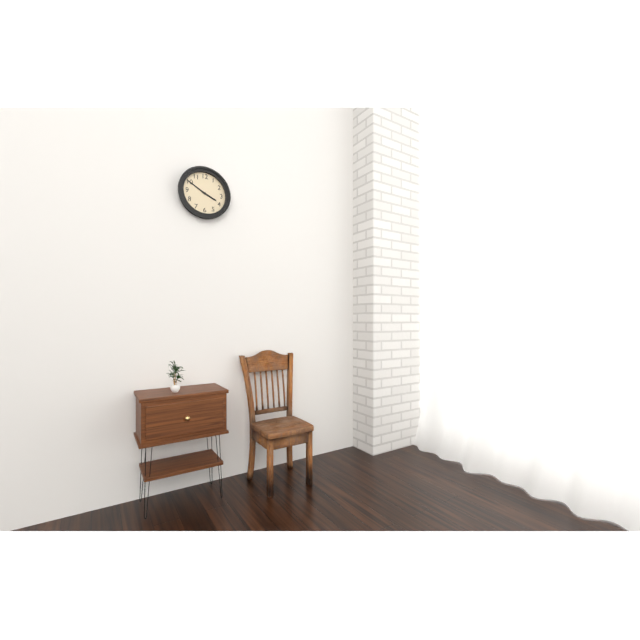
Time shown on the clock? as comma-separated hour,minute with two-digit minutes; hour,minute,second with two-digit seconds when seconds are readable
3,50
